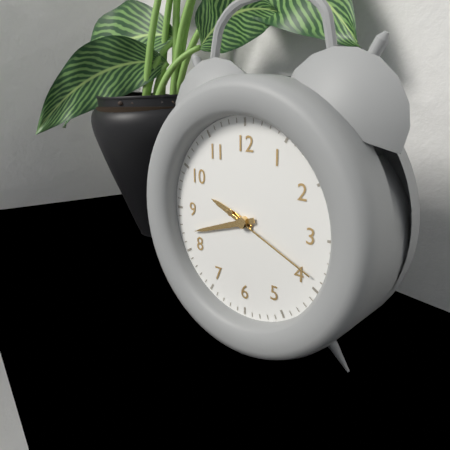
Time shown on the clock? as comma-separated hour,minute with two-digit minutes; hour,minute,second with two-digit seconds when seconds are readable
9,42,19
